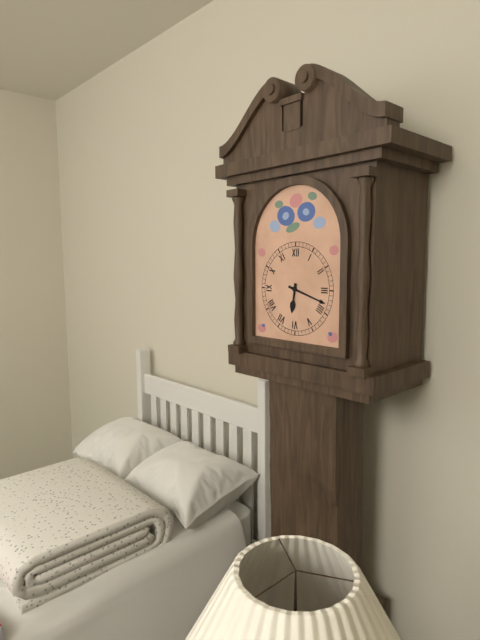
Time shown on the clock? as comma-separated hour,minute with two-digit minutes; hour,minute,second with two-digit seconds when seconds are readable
6,18
